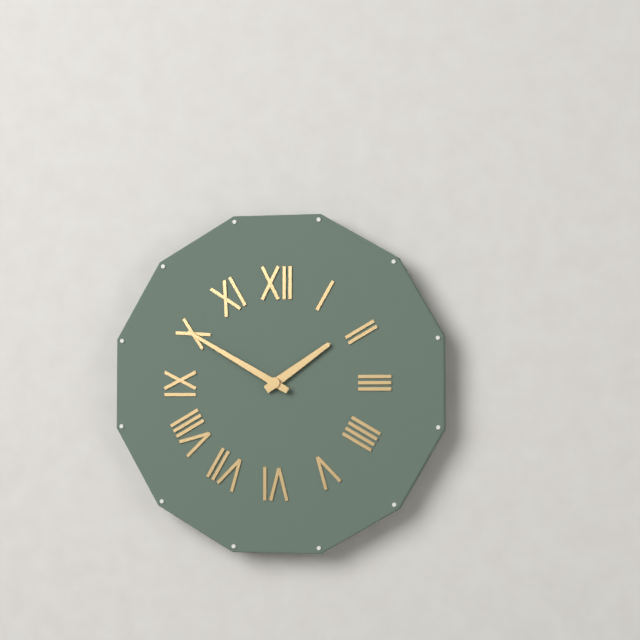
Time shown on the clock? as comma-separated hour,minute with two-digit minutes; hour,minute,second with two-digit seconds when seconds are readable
1,50
